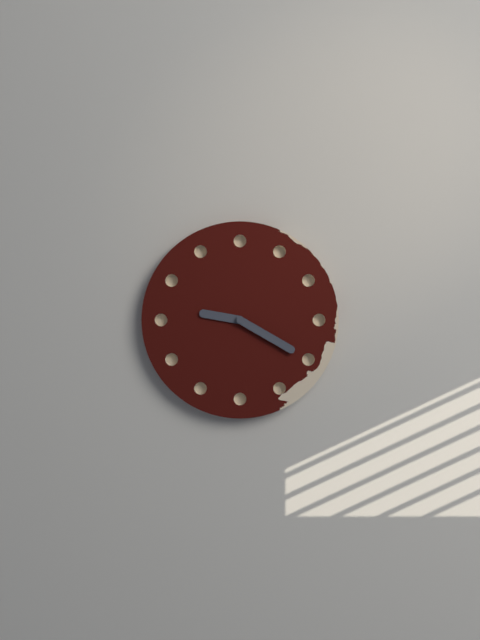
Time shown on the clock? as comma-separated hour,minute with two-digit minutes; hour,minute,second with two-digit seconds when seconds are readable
9,20
